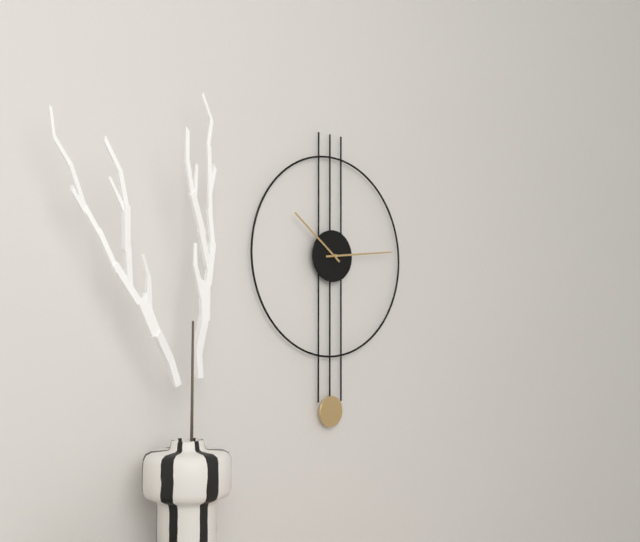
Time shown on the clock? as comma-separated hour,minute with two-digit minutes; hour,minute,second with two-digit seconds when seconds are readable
10,14
